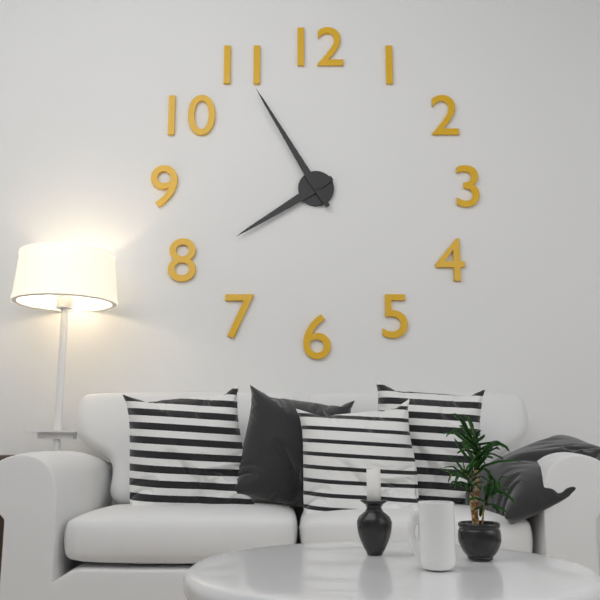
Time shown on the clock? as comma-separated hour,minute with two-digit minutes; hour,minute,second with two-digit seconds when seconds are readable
7,55
